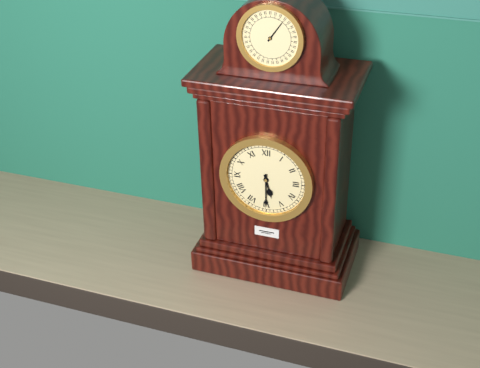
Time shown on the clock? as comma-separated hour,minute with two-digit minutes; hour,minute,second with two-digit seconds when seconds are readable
5,30
